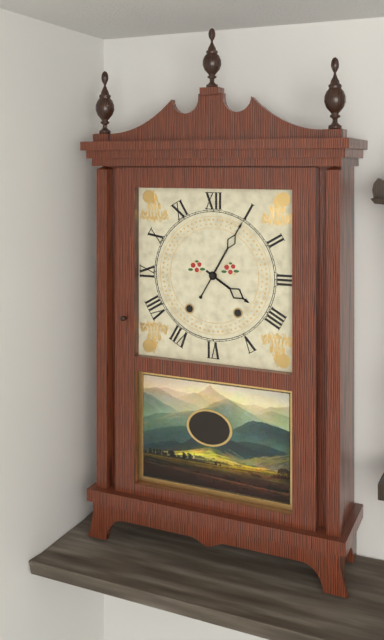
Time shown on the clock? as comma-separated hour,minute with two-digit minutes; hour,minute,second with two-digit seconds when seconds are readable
4,05
